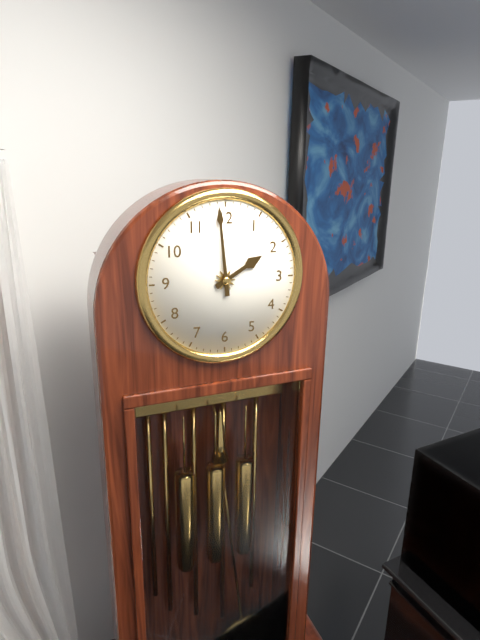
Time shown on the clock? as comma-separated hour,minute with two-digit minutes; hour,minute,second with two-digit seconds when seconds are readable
1,59
